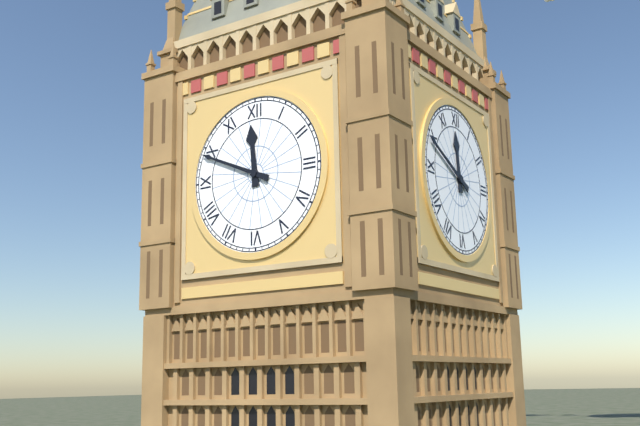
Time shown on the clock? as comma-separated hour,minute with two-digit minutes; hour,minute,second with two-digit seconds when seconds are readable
11,49
